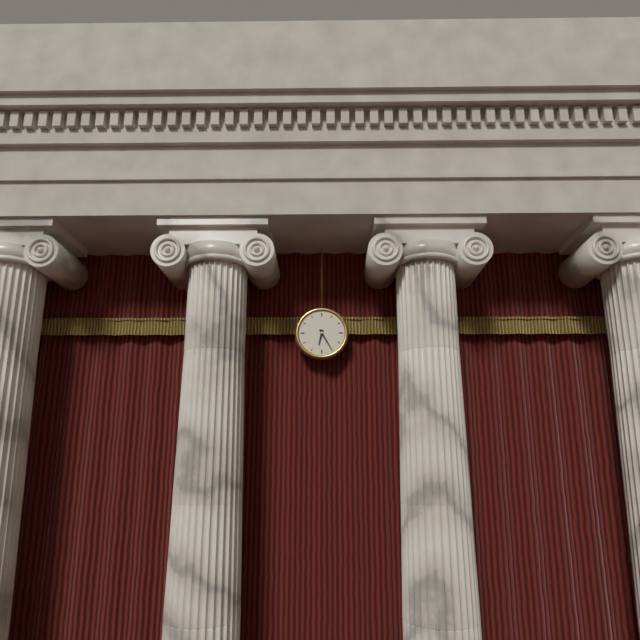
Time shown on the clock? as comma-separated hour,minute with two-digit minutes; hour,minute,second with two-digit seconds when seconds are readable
6,25
